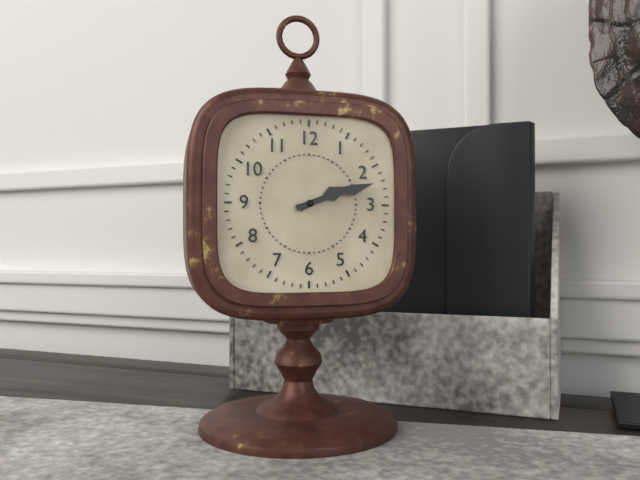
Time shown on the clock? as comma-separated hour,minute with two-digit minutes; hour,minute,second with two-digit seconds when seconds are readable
2,12
